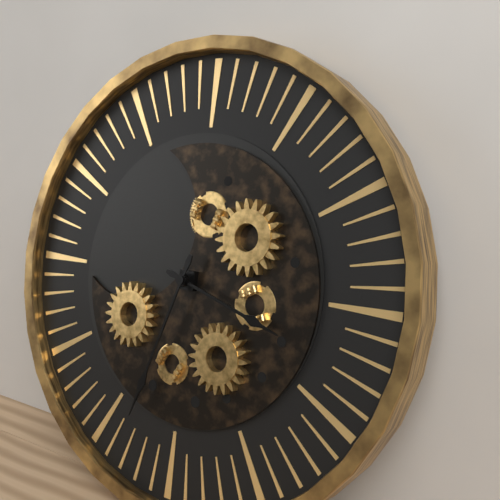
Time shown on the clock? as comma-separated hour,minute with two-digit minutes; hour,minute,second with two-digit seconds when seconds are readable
3,33
